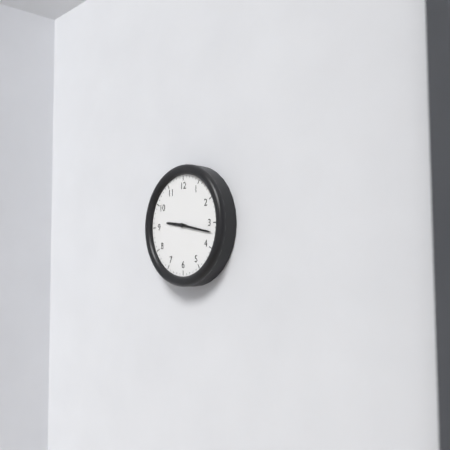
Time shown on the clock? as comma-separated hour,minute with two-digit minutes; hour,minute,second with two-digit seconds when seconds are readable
9,17
